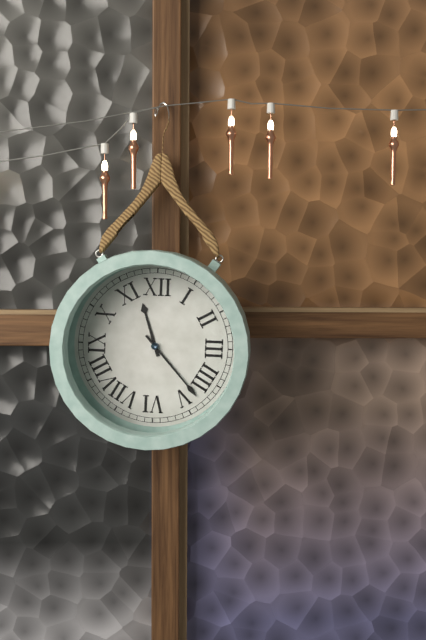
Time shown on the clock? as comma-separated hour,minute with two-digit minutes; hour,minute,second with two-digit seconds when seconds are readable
11,23
